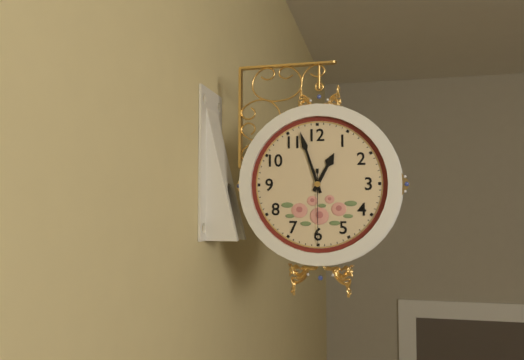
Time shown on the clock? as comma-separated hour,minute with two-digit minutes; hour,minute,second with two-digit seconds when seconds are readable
12,57,30
